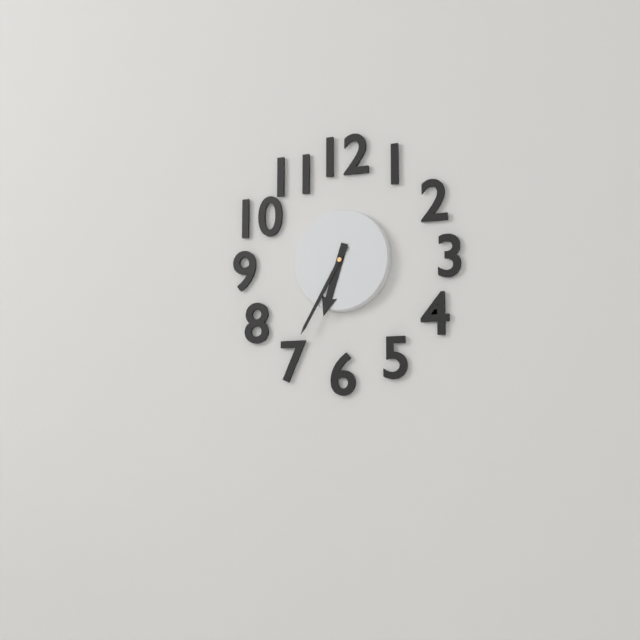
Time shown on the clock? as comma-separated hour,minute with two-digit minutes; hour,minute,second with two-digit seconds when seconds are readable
6,35
